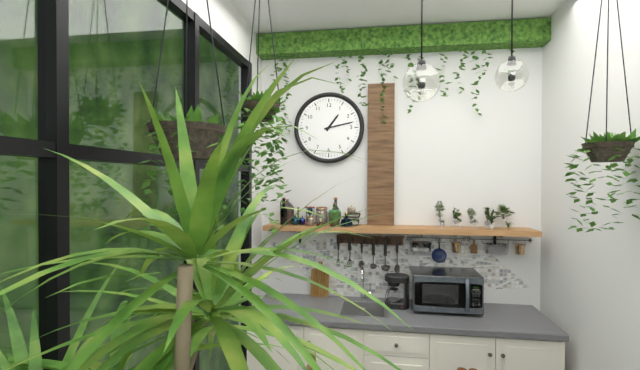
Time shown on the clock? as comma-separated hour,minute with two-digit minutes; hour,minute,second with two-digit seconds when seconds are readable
1,13
